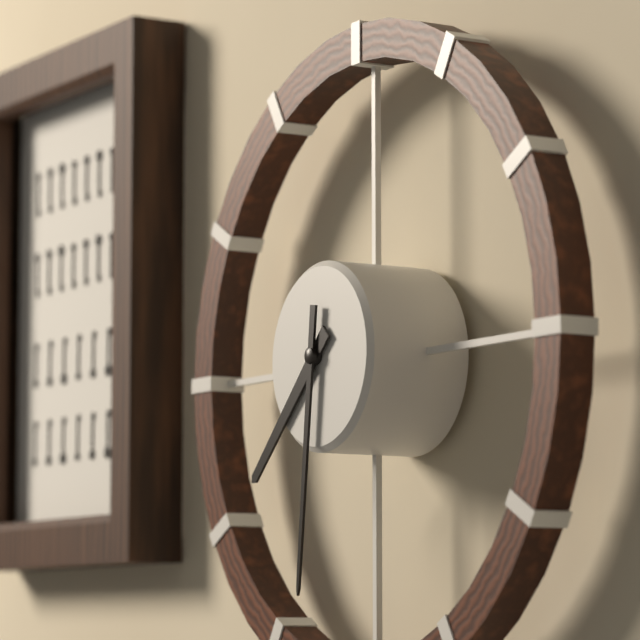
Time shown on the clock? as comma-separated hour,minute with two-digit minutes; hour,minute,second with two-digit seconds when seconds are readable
7,31
